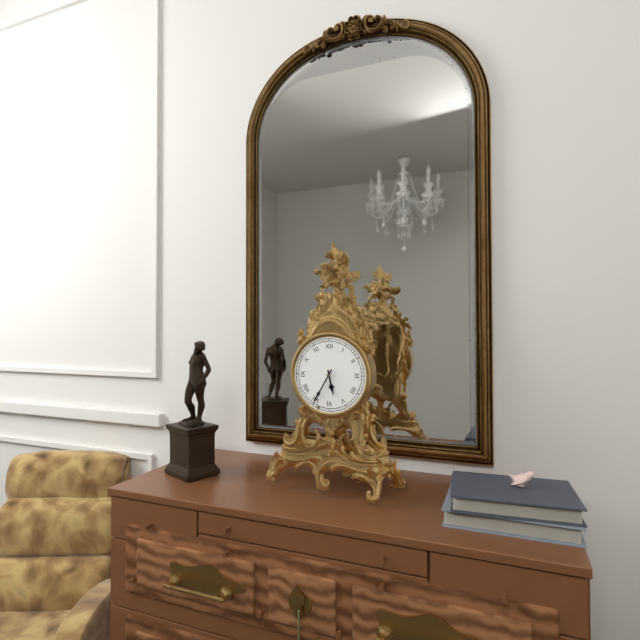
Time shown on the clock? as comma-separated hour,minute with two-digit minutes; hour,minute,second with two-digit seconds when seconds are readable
5,35
